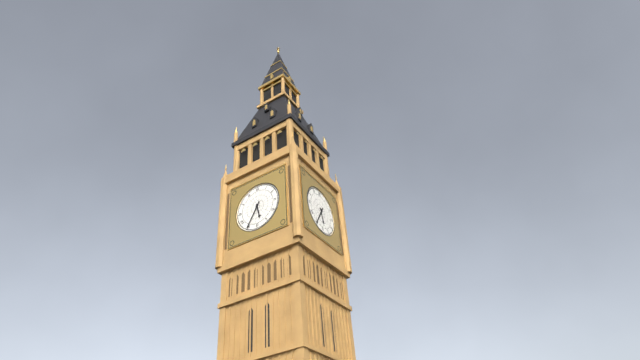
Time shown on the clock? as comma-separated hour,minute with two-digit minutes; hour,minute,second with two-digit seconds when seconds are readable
5,35
